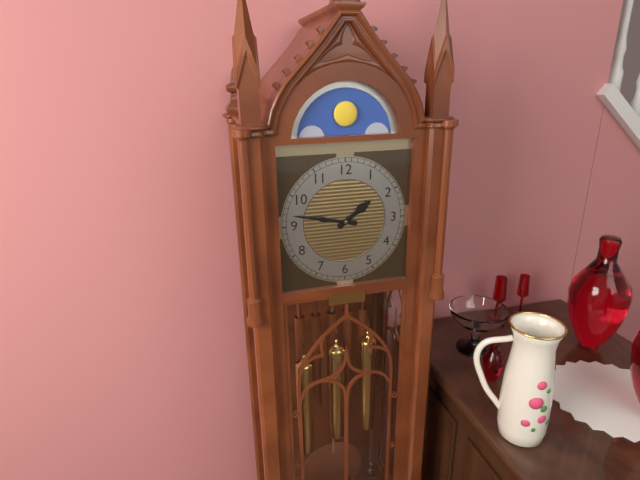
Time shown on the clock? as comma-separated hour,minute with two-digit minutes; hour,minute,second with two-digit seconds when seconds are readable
1,47
